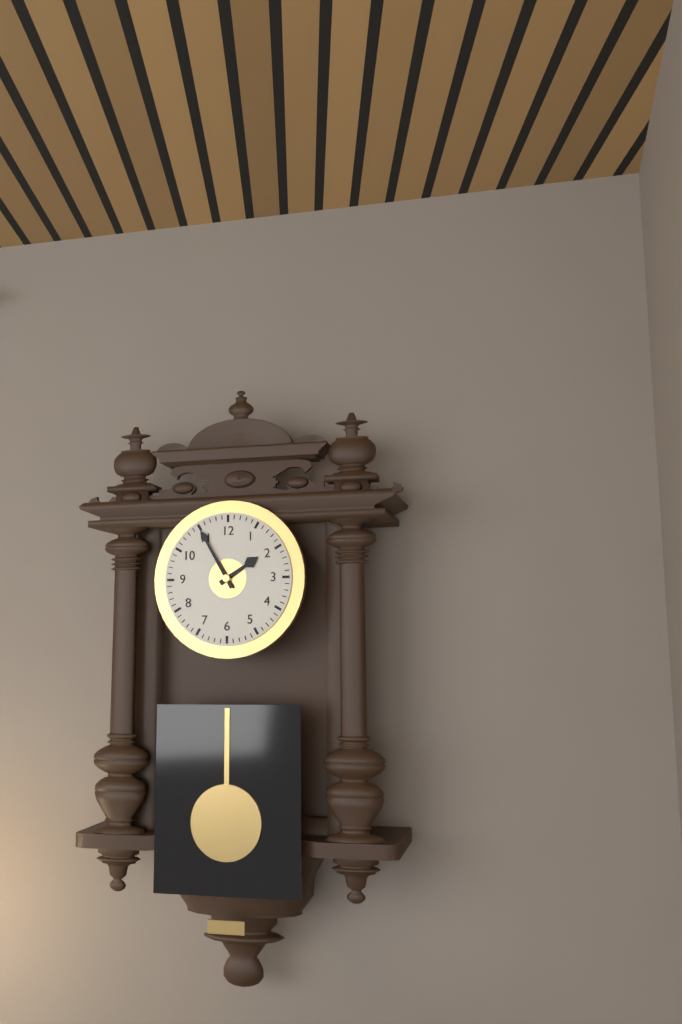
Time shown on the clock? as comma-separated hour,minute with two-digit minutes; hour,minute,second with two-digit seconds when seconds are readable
1,55
